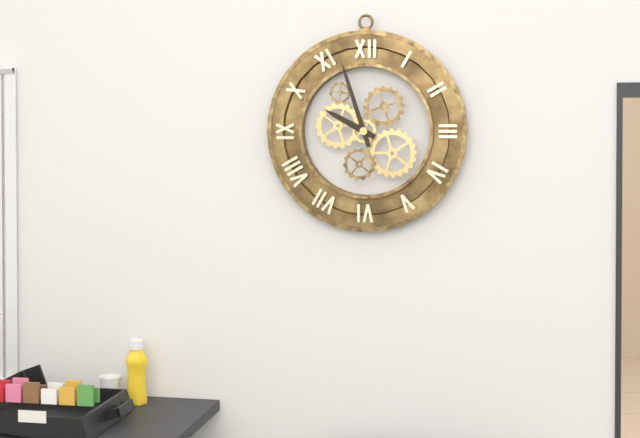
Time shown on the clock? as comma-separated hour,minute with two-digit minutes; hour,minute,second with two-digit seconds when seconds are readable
9,57
